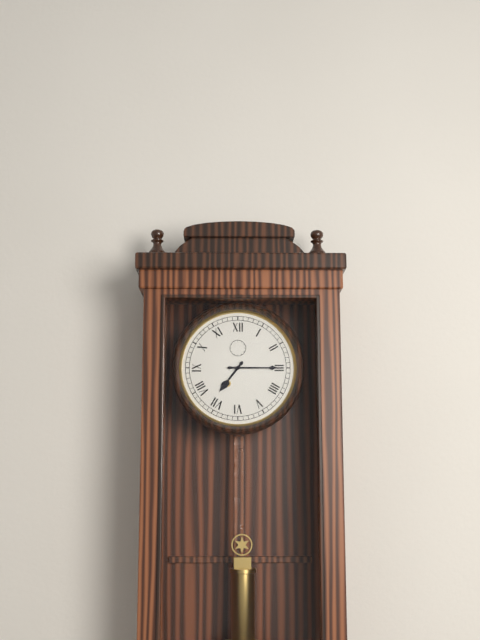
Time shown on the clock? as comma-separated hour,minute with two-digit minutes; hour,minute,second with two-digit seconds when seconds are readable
7,15
